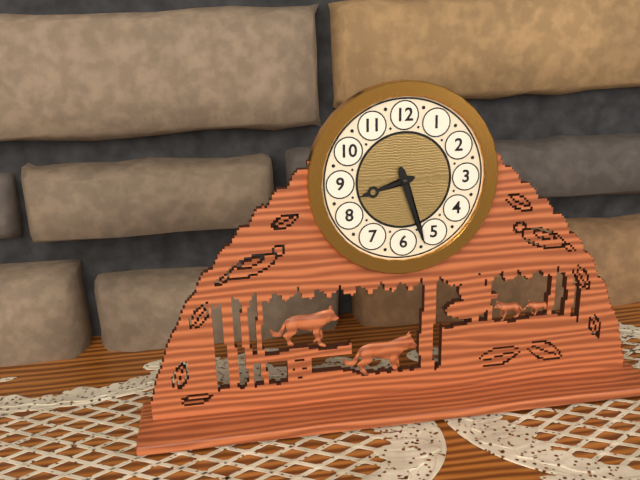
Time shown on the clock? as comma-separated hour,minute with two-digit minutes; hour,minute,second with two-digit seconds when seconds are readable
8,27
